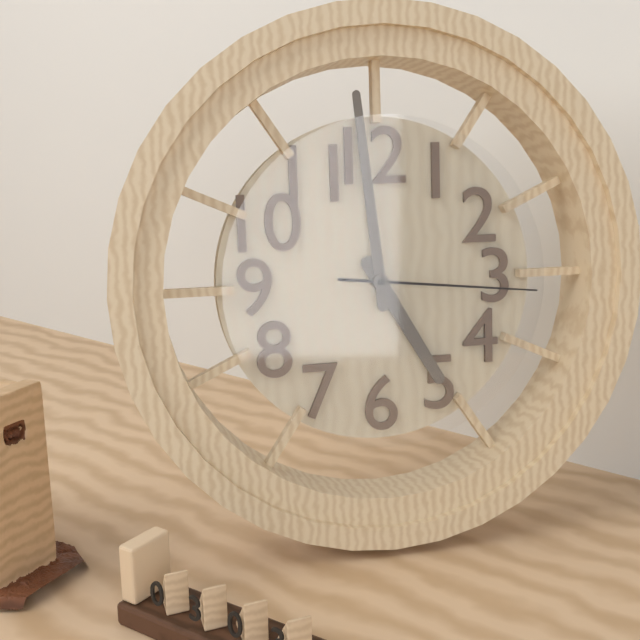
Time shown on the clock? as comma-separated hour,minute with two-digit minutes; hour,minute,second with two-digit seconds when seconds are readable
4,59,16
